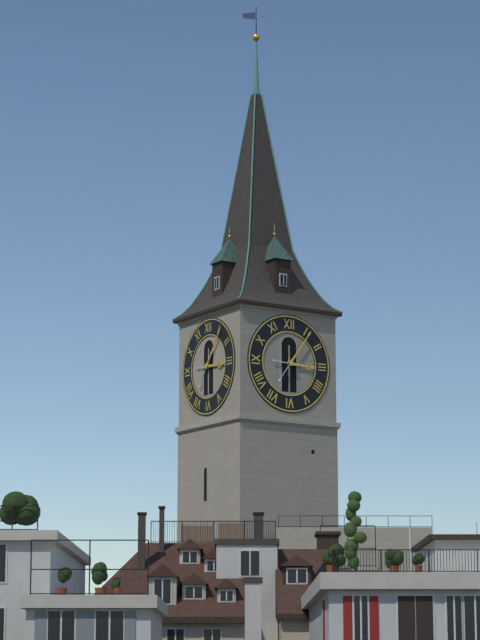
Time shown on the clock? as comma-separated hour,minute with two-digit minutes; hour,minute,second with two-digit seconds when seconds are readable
3,06
